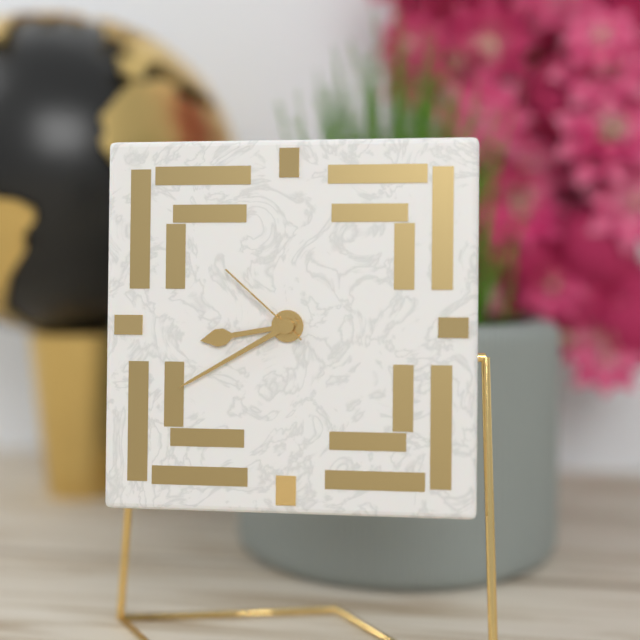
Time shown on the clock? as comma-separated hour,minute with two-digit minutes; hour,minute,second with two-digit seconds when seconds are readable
8,40,52
